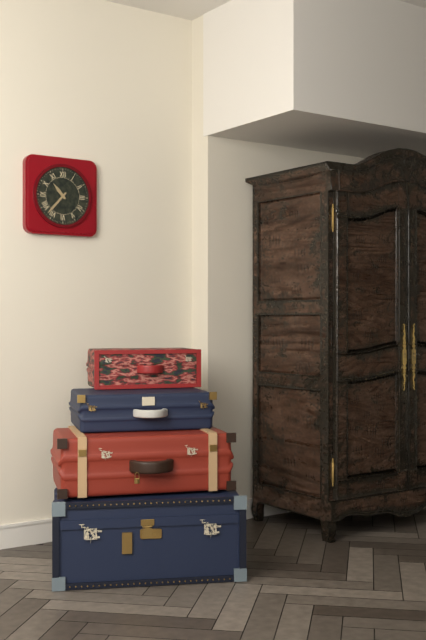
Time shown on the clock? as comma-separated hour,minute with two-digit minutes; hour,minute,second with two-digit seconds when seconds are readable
10,37
